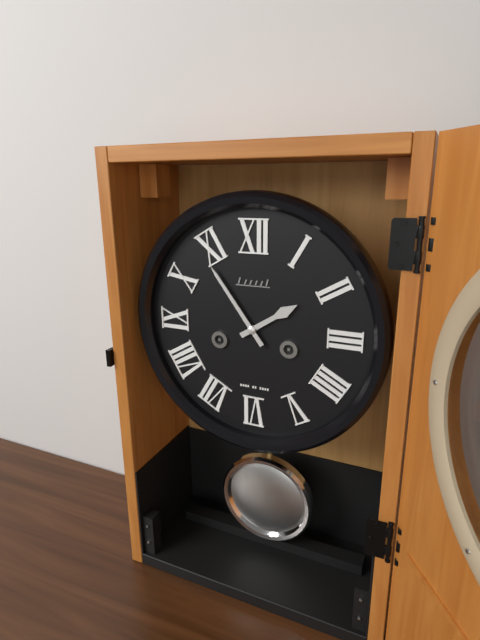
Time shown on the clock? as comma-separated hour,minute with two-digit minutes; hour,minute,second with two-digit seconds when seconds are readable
1,54
